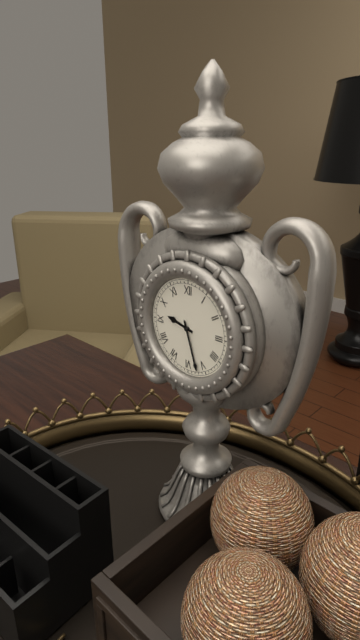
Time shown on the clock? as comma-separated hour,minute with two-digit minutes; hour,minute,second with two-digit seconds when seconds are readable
9,27
